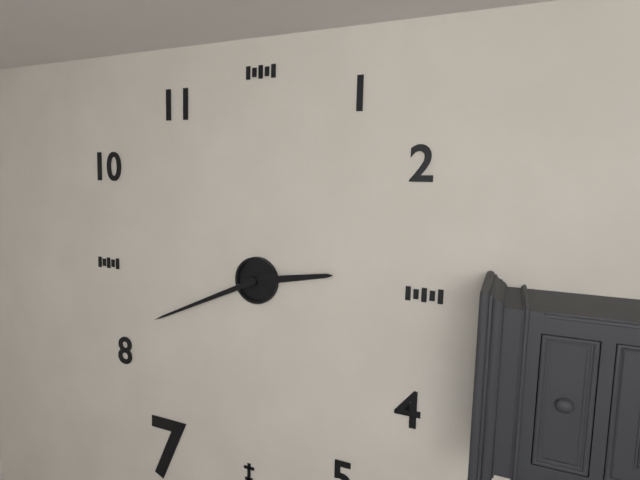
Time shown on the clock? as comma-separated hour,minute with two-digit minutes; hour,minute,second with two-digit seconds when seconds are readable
2,41
